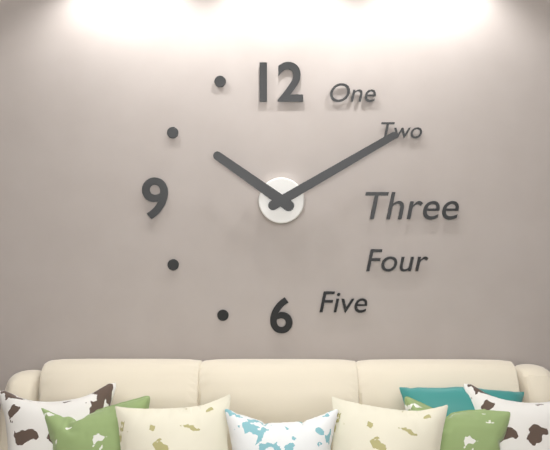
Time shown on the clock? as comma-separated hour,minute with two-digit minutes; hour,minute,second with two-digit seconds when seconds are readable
10,10
